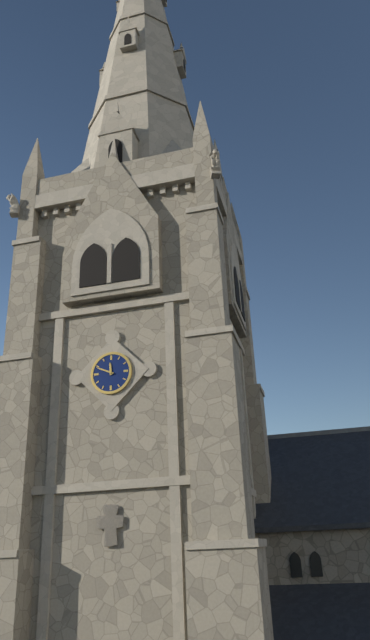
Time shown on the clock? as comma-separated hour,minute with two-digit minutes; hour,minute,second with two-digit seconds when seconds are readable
11,49
